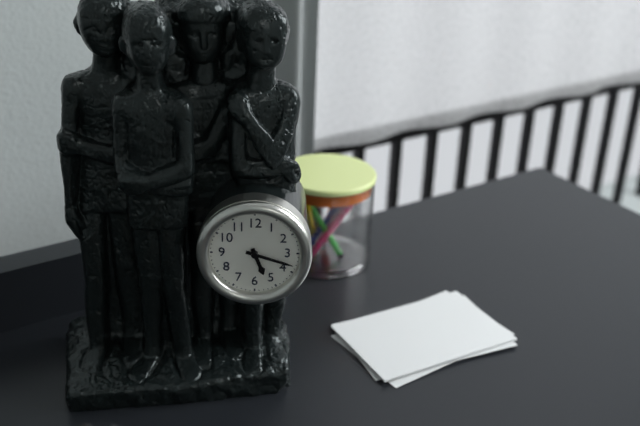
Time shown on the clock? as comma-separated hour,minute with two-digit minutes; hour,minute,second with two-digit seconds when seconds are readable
5,18
